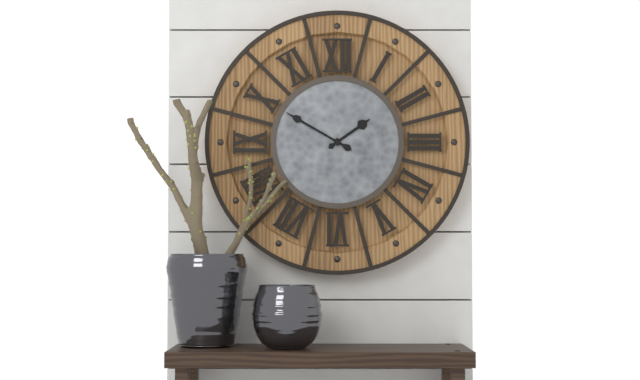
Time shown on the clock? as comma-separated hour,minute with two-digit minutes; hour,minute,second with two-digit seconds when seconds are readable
1,50
